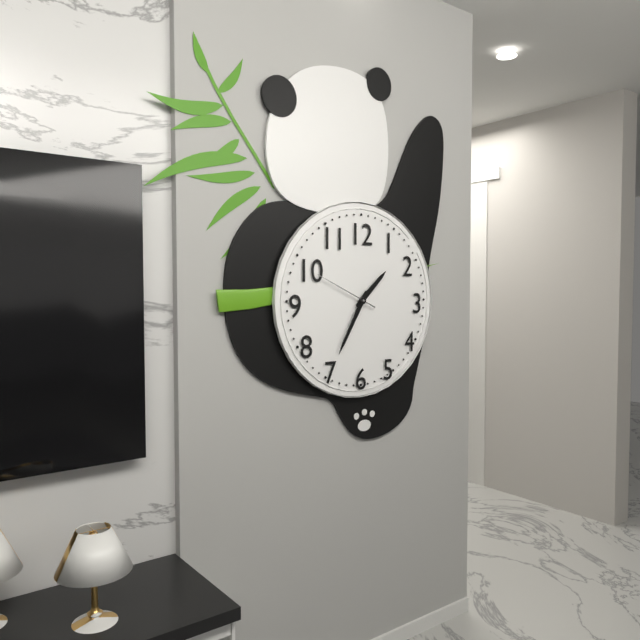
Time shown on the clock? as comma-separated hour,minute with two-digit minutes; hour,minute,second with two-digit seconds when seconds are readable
1,35,49
